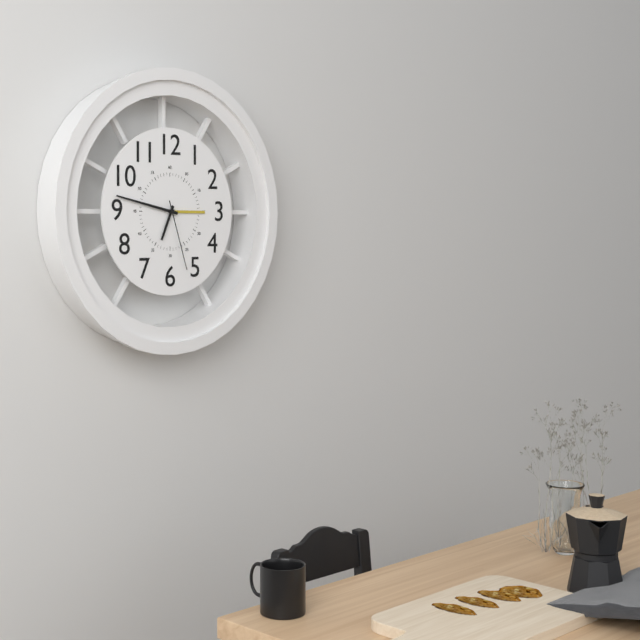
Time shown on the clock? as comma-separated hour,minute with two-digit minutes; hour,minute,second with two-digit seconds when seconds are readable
6,47,27
